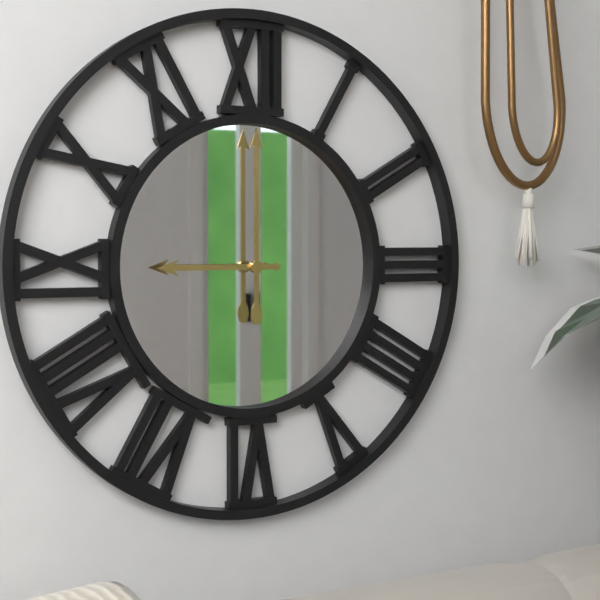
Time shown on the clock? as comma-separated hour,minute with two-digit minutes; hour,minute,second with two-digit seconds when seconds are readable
9,00
